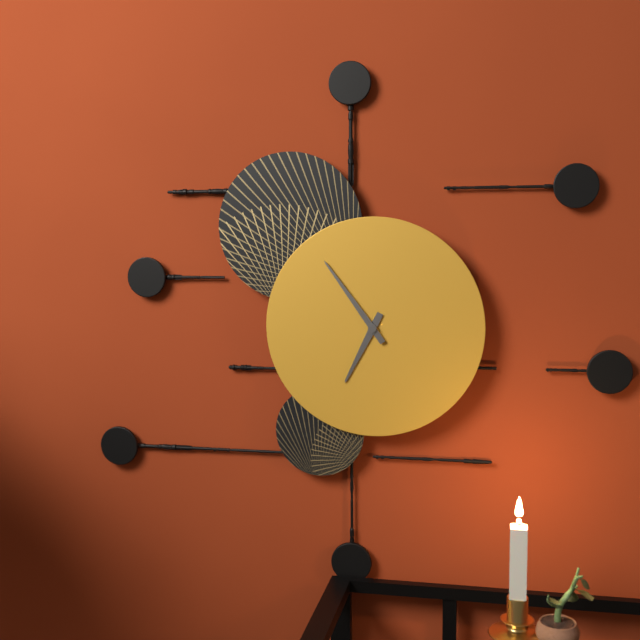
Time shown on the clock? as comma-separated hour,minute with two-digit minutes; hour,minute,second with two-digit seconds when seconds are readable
6,54
